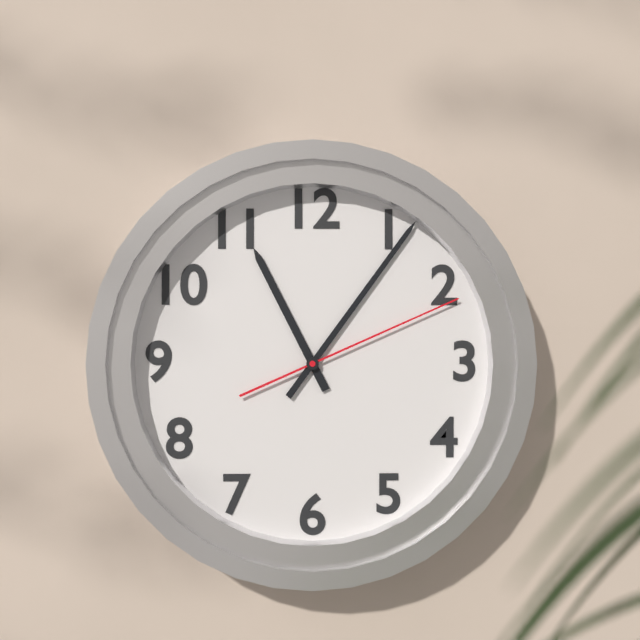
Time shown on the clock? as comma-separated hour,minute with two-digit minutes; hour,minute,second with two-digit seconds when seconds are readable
11,06,11
